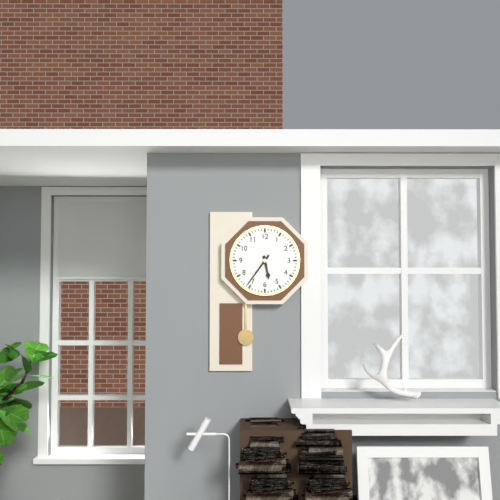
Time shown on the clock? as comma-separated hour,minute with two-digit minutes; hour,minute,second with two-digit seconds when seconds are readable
5,36
